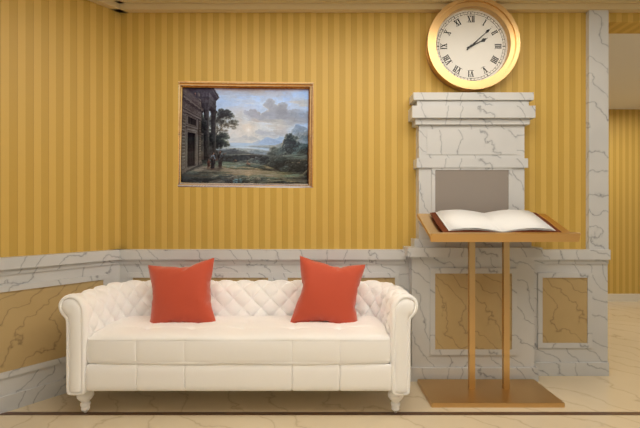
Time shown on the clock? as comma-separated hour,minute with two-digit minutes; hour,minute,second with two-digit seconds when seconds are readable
2,08
